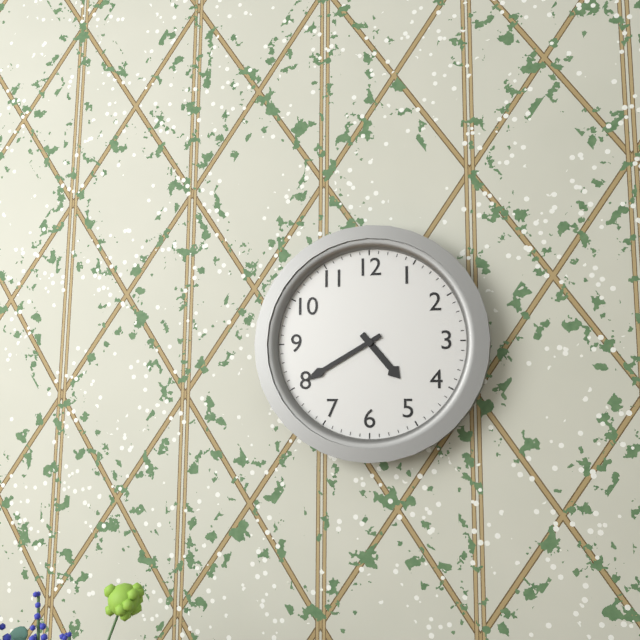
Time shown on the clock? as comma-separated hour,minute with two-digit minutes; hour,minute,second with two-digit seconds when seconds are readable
4,40
